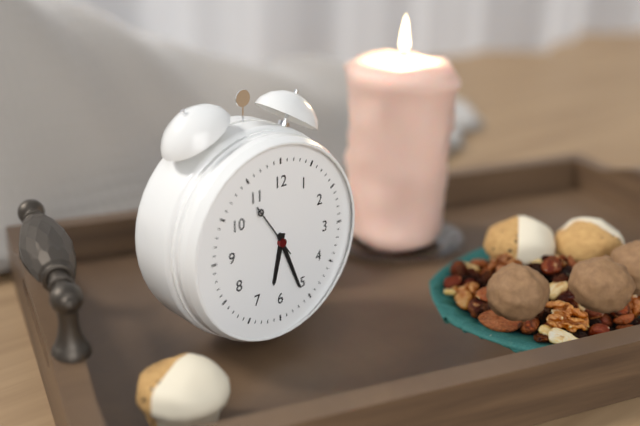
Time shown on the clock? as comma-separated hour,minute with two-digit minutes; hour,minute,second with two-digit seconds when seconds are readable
6,26,54
